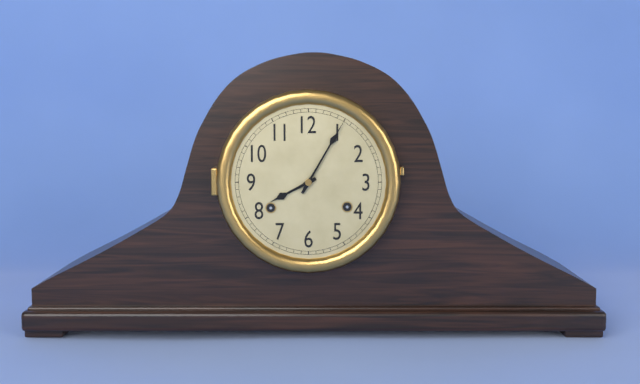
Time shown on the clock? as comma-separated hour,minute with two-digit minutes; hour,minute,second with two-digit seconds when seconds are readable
8,05
